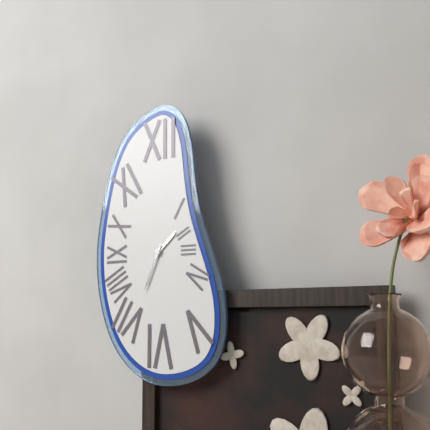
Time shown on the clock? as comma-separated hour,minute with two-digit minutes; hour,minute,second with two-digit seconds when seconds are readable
1,34
